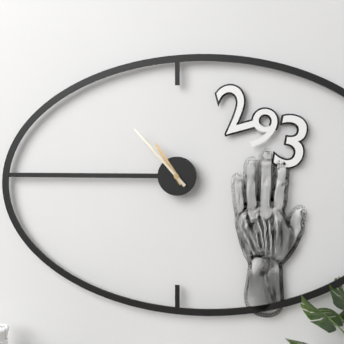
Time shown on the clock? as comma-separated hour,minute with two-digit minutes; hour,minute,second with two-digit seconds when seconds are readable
10,53
